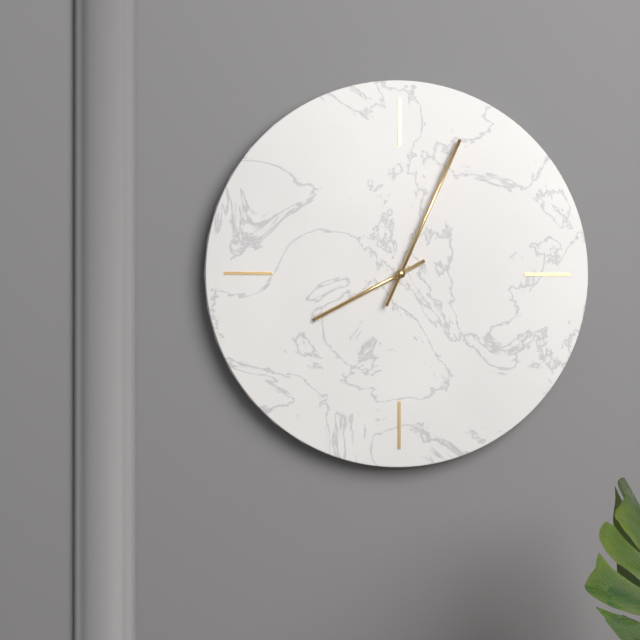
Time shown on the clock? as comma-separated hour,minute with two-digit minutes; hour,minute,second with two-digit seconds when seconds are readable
8,04
